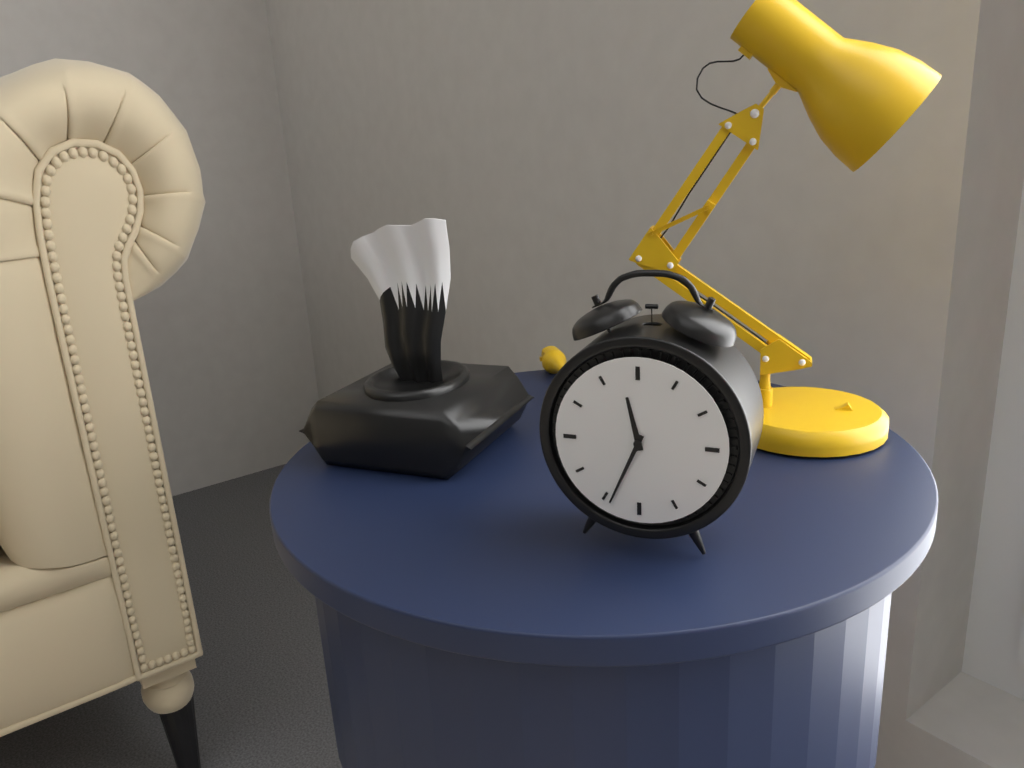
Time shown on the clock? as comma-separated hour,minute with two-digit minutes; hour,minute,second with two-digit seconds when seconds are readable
11,34
